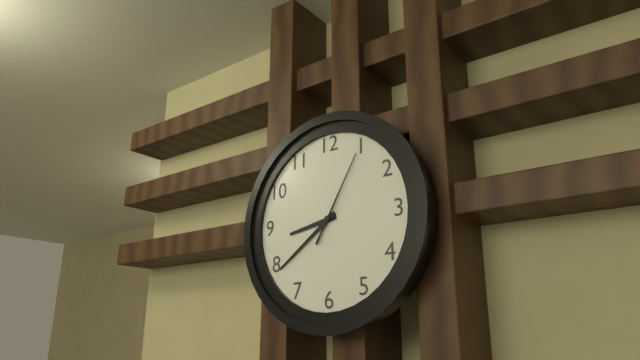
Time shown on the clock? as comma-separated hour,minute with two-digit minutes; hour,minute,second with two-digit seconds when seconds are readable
8,39,05
